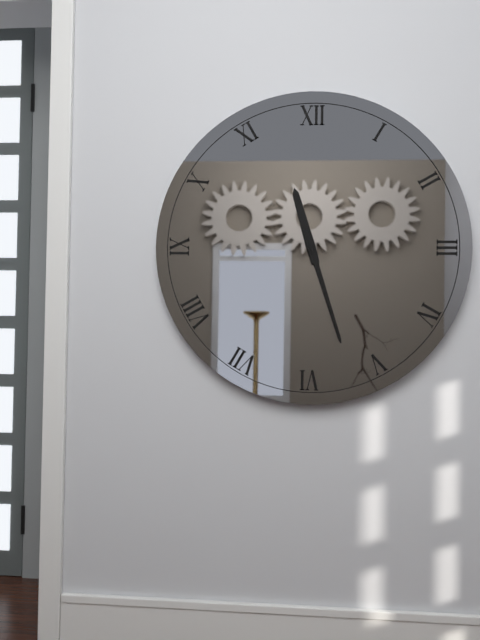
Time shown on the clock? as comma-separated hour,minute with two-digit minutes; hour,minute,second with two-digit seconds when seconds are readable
11,27
